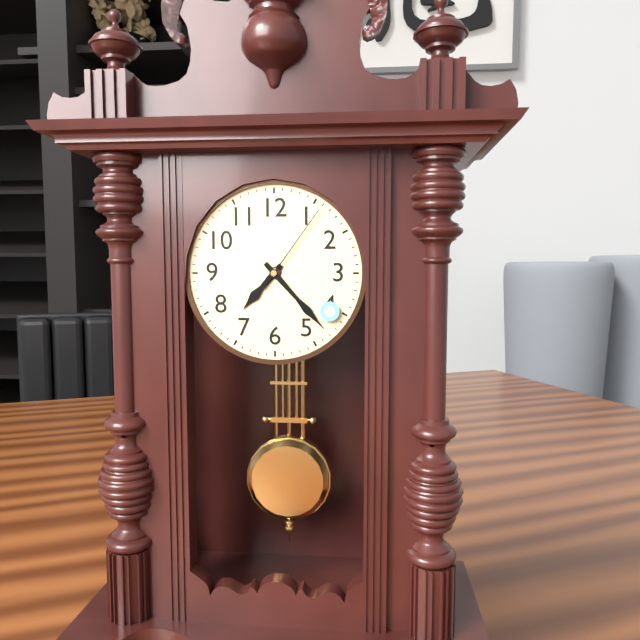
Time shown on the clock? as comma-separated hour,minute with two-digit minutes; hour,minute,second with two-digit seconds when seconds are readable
7,23,06
